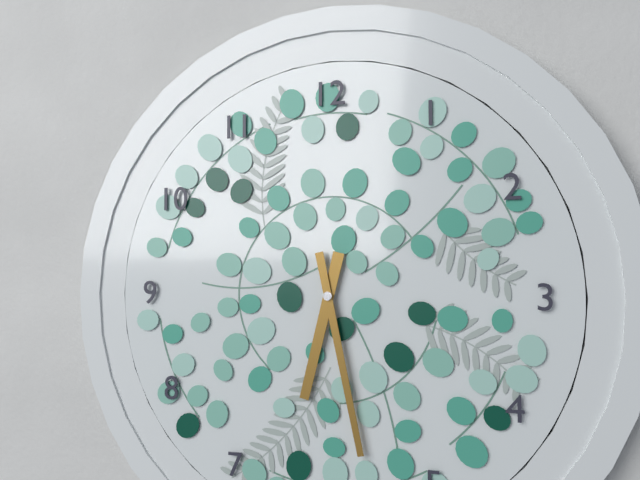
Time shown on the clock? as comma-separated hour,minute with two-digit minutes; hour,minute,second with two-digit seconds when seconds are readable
6,28
